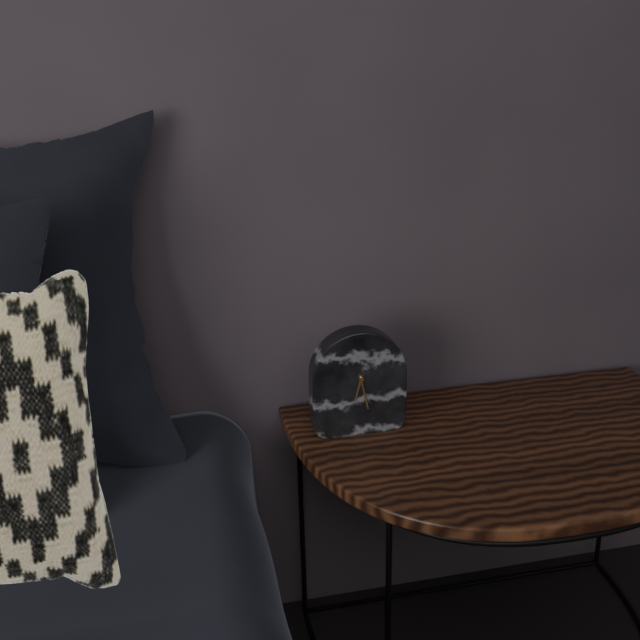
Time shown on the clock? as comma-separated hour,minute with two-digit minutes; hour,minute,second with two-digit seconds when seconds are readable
6,28
